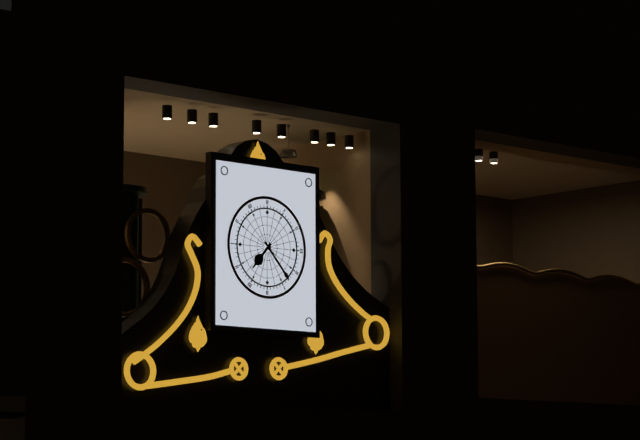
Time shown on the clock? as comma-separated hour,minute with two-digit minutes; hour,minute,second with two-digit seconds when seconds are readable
7,23
